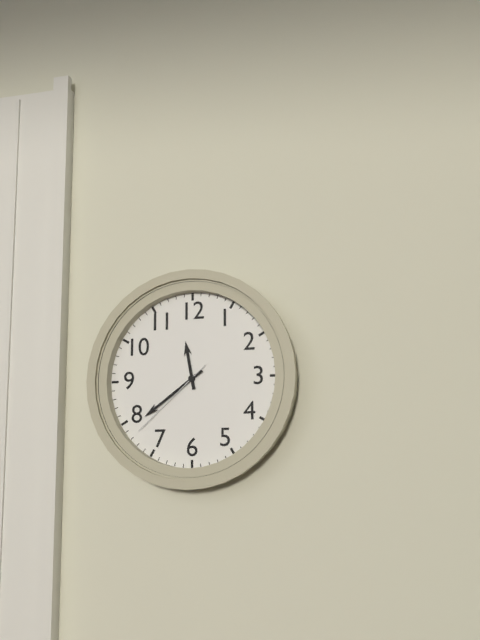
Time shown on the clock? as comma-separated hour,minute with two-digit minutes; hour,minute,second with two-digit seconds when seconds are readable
11,39,38
